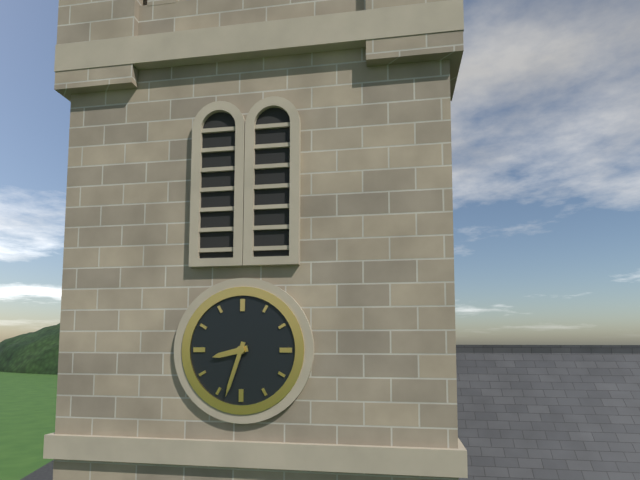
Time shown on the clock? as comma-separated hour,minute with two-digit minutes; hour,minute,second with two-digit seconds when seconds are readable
8,33
